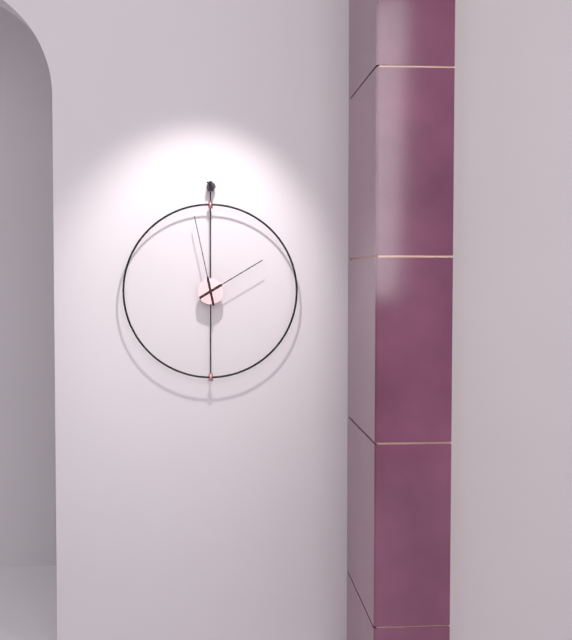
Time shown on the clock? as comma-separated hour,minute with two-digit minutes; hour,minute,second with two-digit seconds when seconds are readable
1,58
